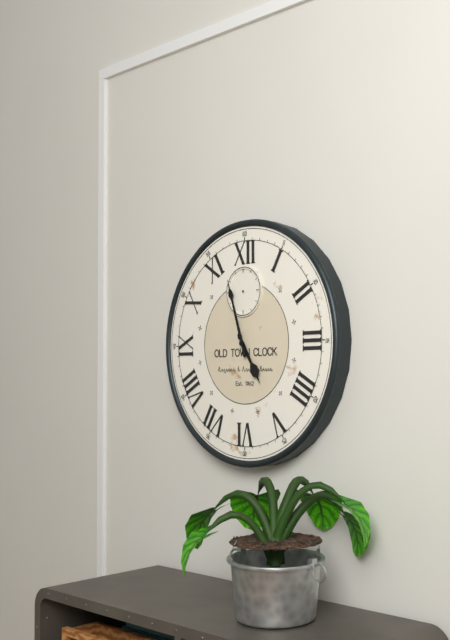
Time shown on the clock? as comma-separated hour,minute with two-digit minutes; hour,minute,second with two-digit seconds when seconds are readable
4,57
